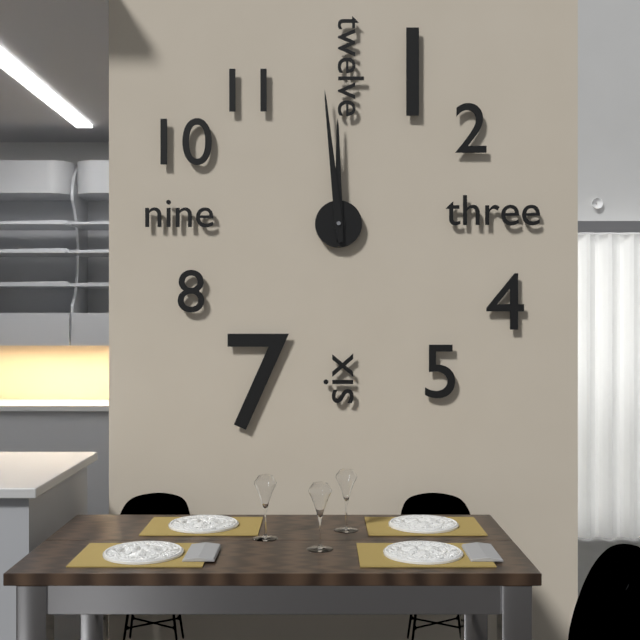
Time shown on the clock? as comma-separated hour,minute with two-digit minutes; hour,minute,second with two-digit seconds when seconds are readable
11,59
